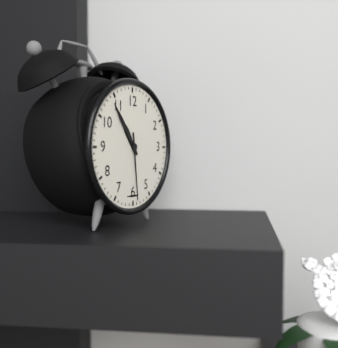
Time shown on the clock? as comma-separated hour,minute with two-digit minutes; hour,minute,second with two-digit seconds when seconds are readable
10,54,29
